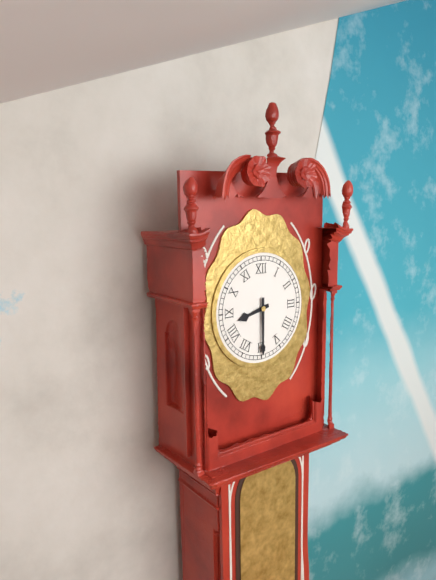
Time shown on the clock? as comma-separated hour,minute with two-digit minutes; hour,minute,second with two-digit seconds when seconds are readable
8,30
